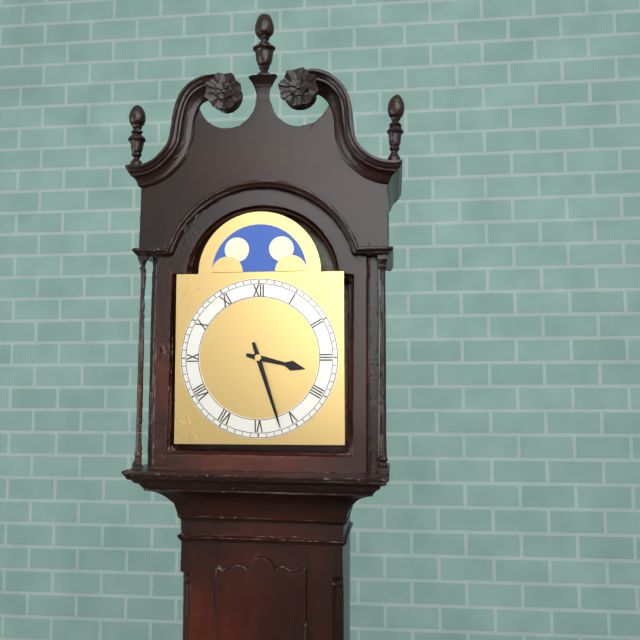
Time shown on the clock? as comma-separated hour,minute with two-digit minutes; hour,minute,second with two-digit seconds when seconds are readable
3,27
